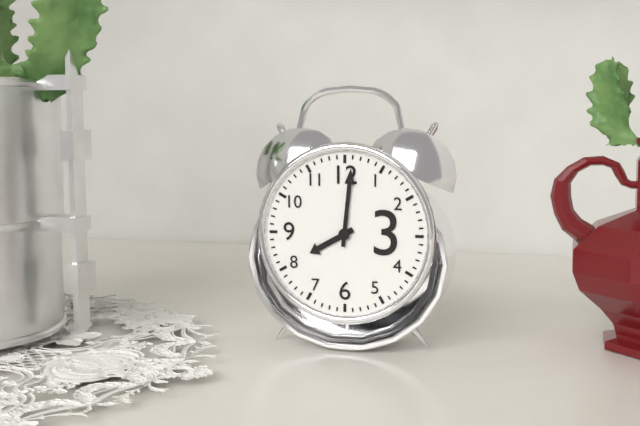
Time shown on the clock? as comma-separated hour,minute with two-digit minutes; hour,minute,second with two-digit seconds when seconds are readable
8,01
